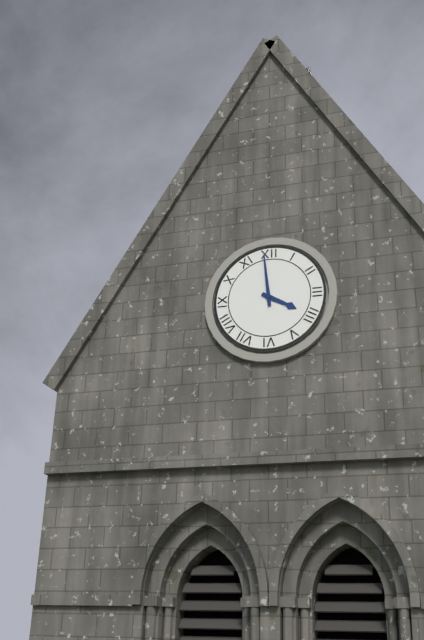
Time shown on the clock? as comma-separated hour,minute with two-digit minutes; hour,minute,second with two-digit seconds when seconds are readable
3,59
